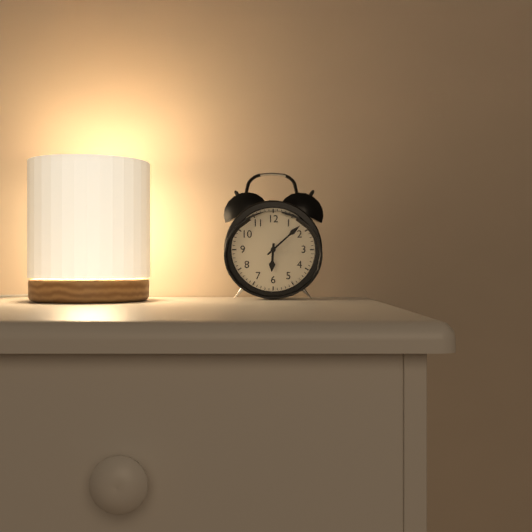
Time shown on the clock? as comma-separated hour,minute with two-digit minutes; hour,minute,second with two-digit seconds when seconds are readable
6,08
